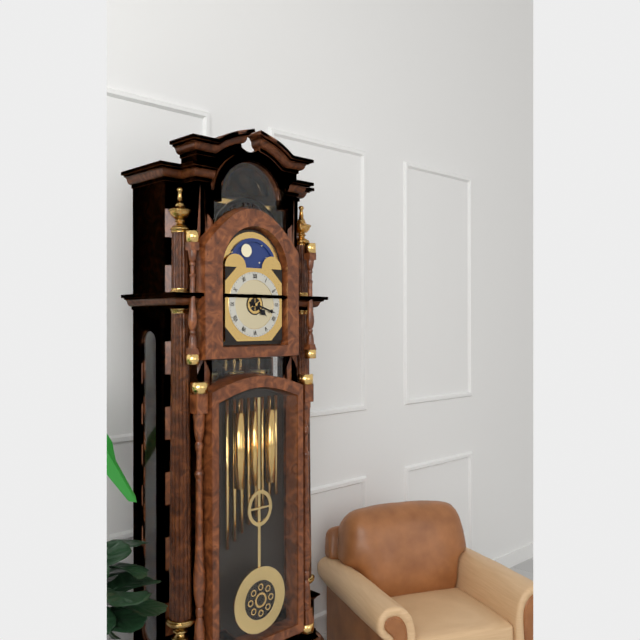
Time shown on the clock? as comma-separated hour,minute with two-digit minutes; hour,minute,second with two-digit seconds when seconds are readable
4,18
